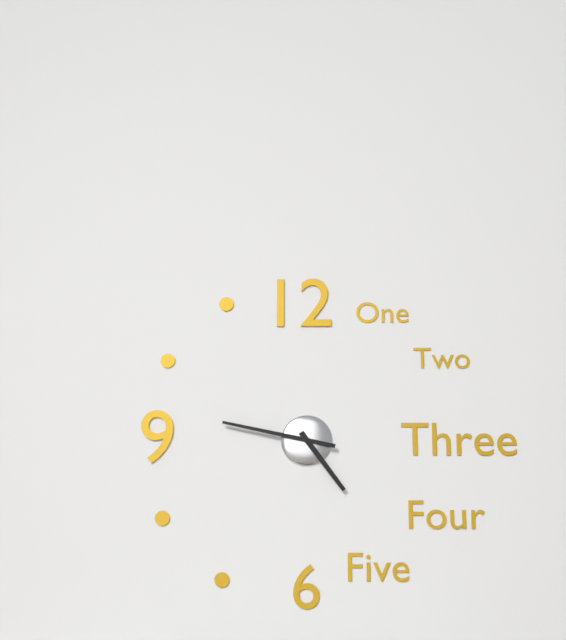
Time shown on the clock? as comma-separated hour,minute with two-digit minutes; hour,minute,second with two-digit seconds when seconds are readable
4,47
